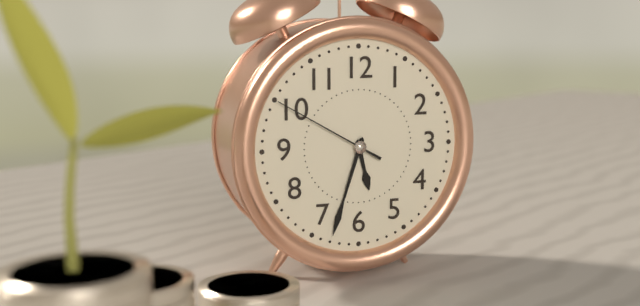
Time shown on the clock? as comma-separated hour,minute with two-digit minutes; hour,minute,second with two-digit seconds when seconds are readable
5,33,50
